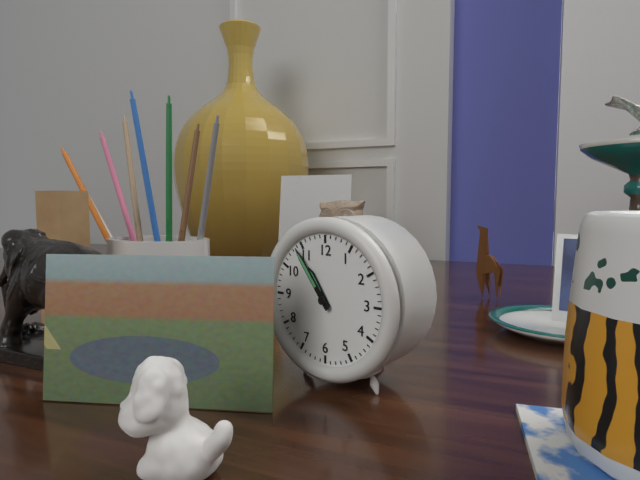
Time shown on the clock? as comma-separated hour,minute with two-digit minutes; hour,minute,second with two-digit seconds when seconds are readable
10,54
